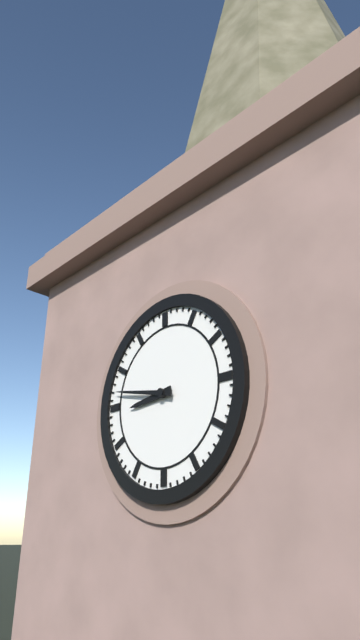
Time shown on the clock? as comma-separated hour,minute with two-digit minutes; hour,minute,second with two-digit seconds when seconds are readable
8,47
